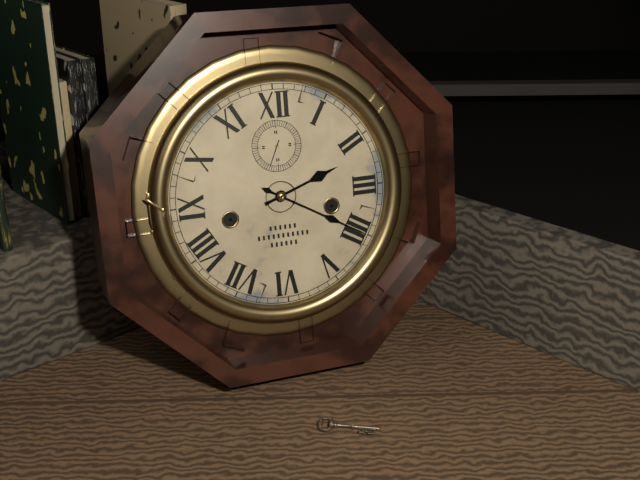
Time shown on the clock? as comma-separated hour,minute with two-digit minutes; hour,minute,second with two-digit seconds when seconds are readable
2,20
